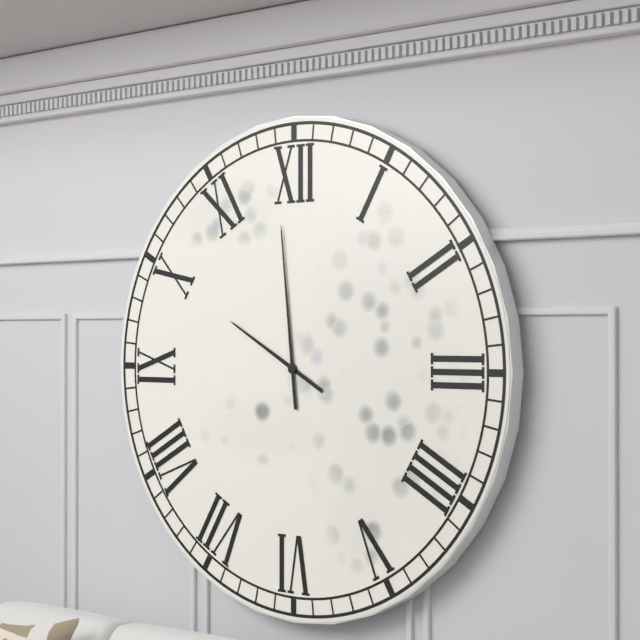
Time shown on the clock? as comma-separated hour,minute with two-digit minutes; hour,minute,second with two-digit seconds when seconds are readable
9,59
